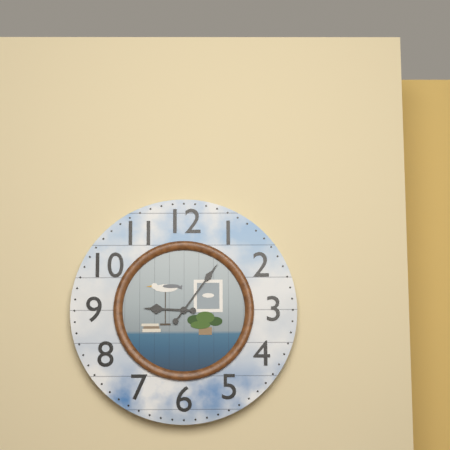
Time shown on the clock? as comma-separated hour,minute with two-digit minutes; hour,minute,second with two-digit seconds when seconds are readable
9,06
